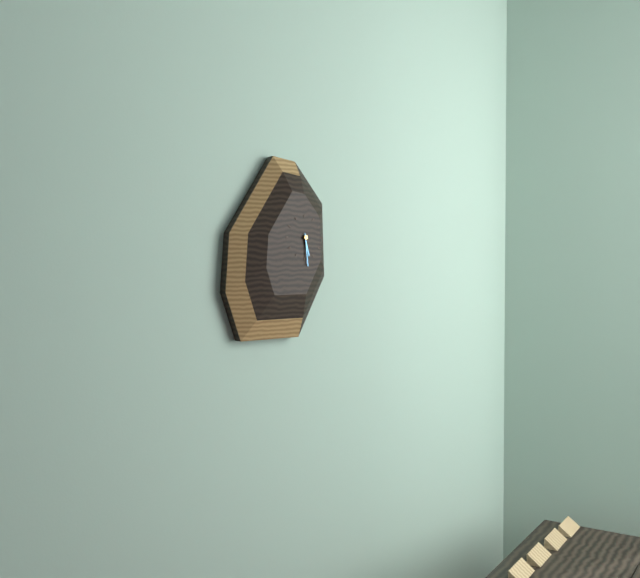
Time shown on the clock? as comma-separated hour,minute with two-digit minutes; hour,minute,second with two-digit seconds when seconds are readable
5,29
